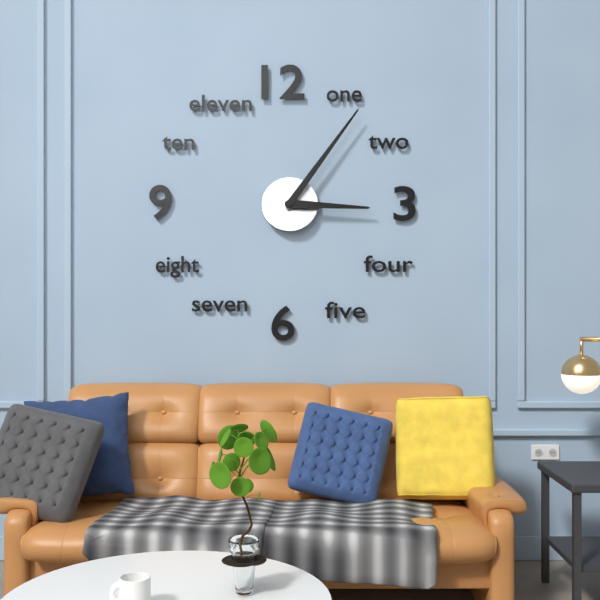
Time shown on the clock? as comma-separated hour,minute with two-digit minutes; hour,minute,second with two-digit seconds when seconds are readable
3,06
